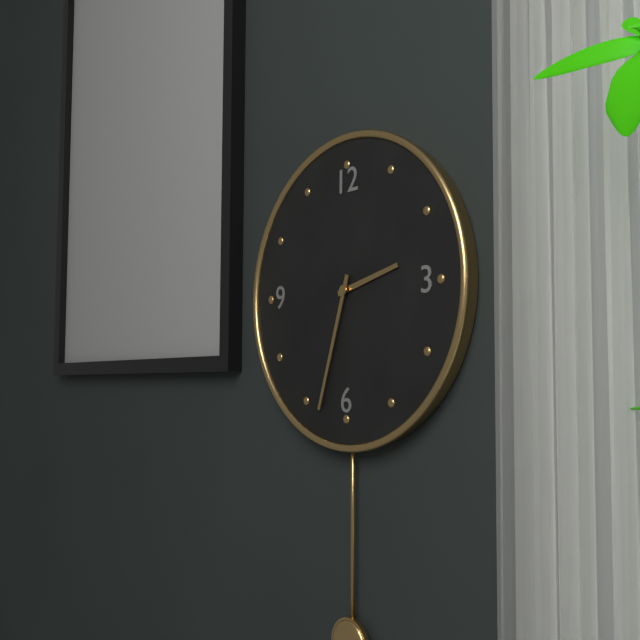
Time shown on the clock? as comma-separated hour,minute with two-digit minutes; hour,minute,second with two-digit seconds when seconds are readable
2,33
